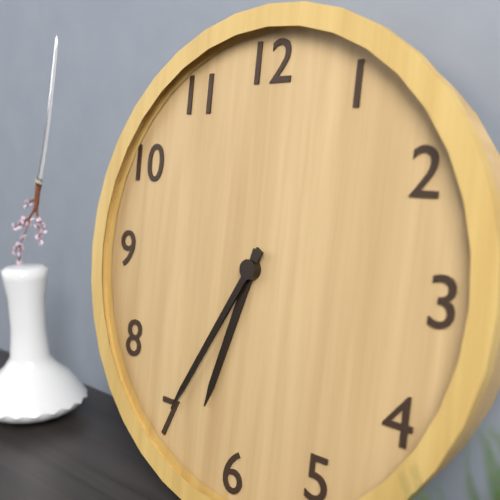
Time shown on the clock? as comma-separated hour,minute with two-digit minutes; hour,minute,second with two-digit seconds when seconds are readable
6,35
